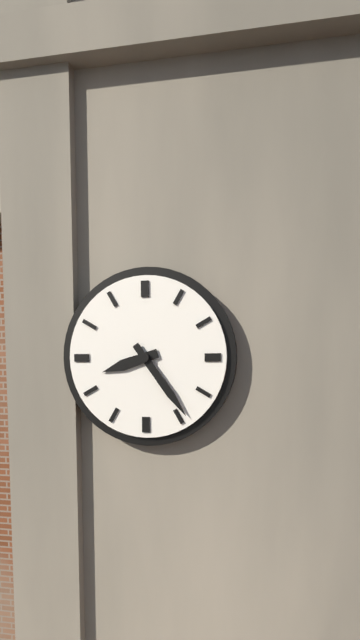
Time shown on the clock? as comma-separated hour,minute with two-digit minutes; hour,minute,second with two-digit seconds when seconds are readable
8,24
